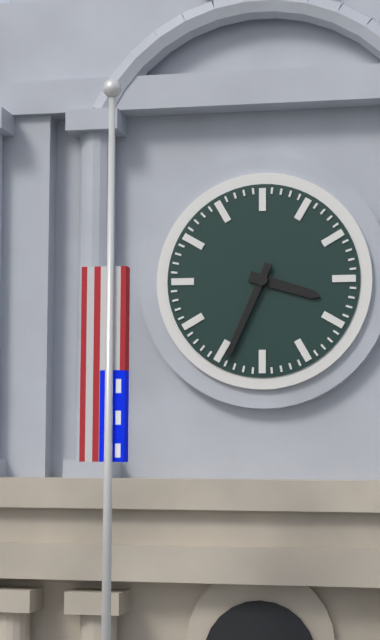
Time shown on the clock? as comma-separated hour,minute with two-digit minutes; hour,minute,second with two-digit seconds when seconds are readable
3,34
